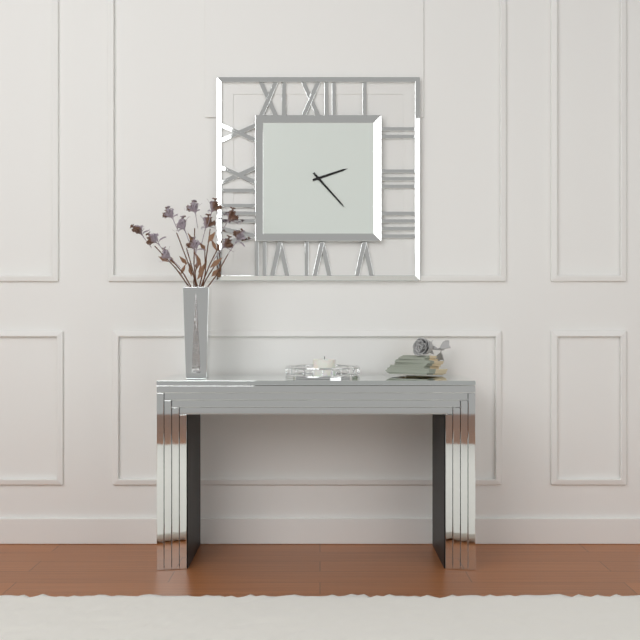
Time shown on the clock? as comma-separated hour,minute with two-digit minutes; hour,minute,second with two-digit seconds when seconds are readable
2,23
